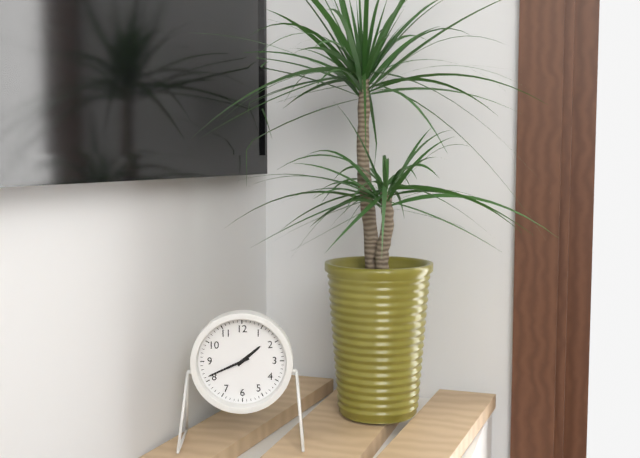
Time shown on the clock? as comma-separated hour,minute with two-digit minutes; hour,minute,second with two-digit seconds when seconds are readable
1,41
